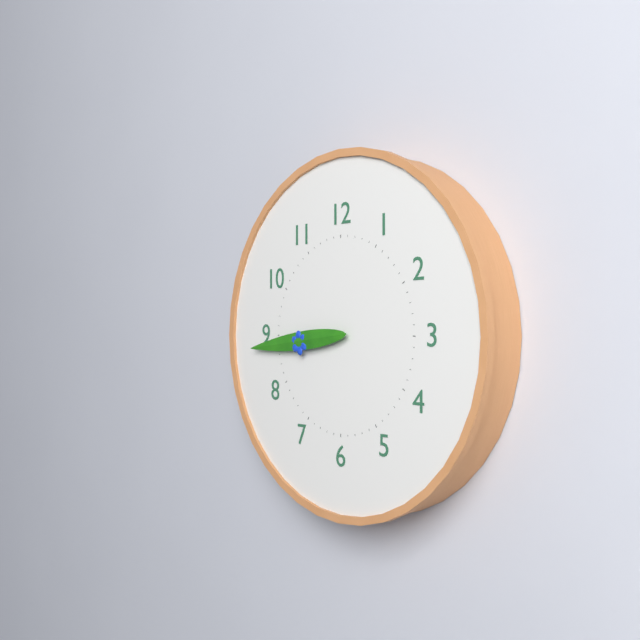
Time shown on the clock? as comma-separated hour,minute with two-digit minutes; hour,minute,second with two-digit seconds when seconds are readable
8,44
